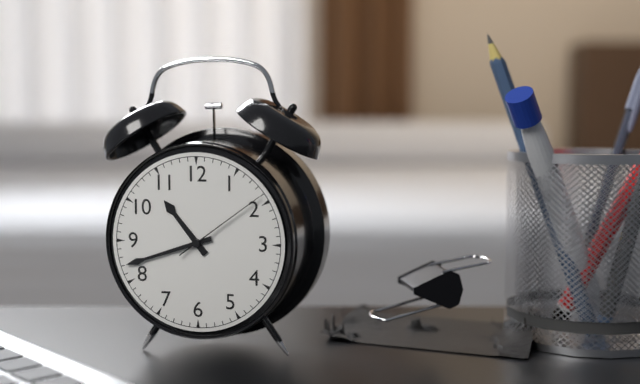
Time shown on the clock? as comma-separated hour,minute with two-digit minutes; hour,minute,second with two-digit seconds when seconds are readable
10,42,09
